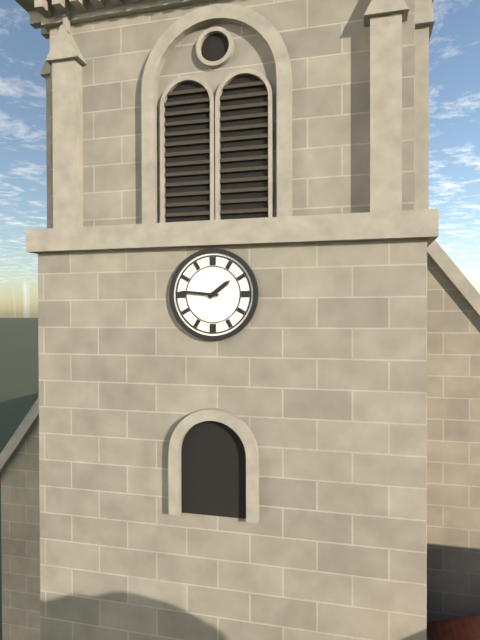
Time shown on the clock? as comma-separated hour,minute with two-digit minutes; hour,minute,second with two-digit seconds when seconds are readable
1,46
